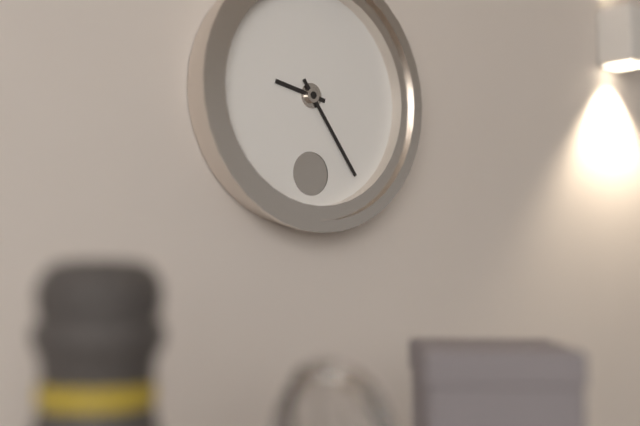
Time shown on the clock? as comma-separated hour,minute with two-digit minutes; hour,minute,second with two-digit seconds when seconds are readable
9,24
